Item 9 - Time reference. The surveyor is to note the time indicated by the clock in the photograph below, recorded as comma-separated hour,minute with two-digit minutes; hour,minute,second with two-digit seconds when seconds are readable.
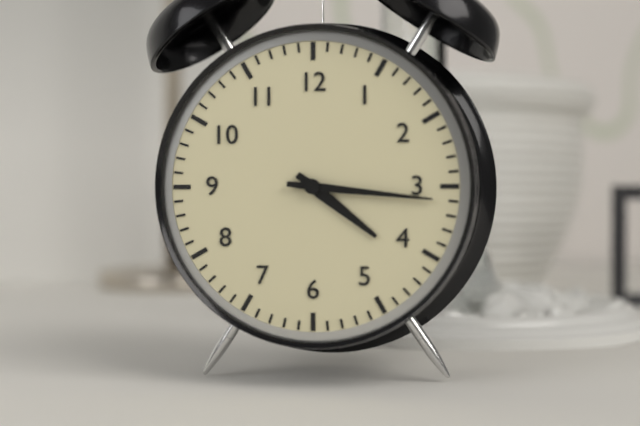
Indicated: 4,16
